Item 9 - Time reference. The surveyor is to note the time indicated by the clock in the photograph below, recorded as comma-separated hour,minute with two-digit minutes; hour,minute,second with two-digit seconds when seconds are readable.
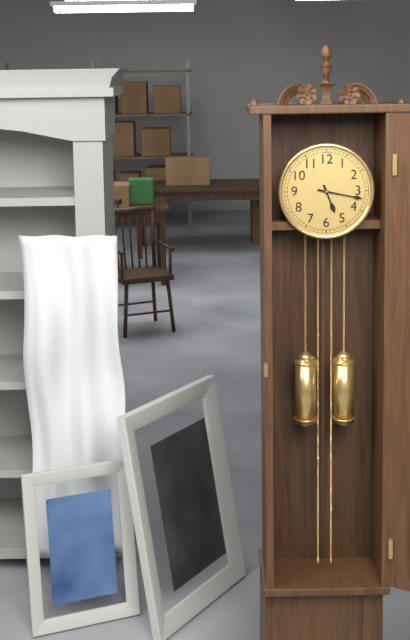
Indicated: 5,17
